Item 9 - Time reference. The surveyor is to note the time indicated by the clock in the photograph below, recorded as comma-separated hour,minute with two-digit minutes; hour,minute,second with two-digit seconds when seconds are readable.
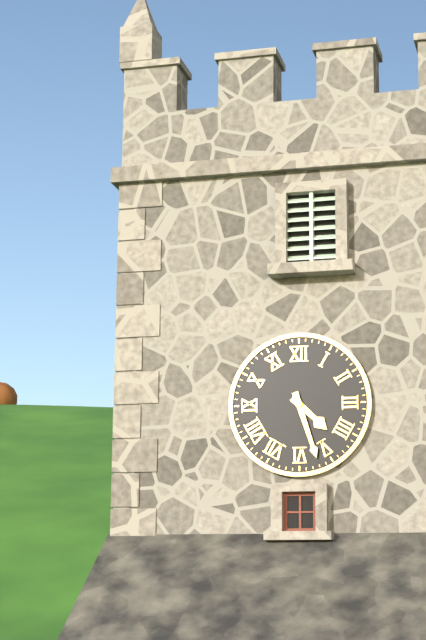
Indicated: 4,27
